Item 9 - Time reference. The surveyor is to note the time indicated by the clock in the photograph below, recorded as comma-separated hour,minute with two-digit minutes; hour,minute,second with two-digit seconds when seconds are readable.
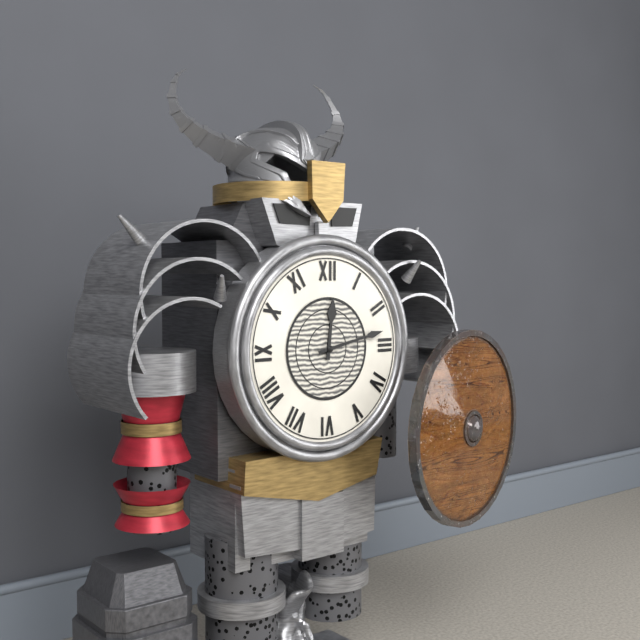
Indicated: 12,13
